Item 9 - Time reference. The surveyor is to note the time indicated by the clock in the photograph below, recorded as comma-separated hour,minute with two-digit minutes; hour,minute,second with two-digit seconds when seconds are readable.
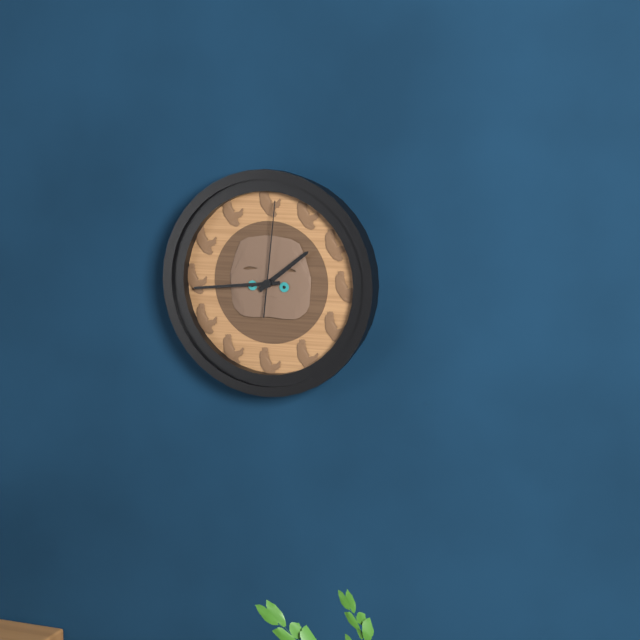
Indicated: 1,44,01
